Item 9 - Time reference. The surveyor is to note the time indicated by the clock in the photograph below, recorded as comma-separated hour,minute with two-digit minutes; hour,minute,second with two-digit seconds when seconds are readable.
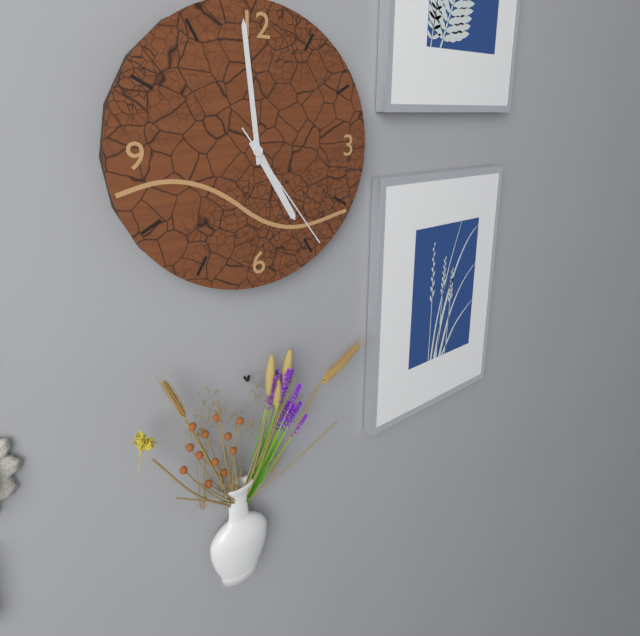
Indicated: 4,59,24
